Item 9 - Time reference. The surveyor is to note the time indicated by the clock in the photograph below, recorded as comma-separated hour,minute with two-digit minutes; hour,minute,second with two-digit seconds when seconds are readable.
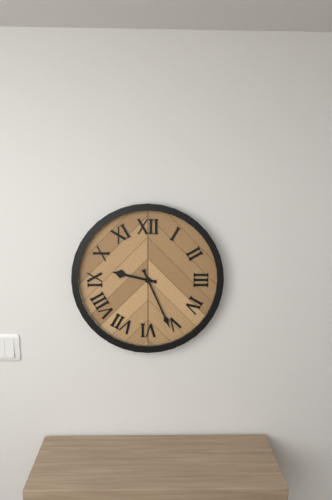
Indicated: 9,26
